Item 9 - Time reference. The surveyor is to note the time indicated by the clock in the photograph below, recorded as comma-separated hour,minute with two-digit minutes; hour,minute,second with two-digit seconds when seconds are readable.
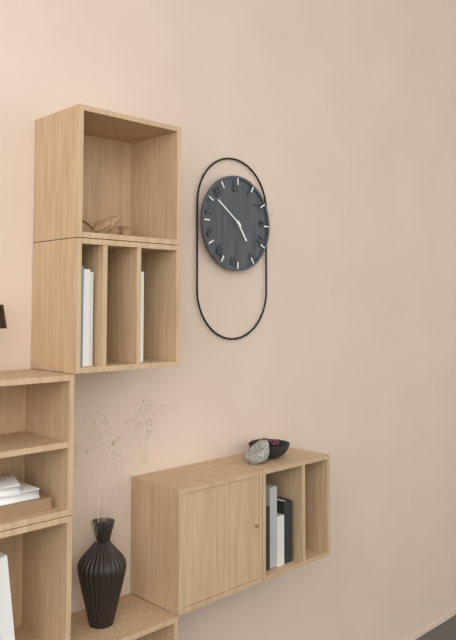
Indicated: 4,51
